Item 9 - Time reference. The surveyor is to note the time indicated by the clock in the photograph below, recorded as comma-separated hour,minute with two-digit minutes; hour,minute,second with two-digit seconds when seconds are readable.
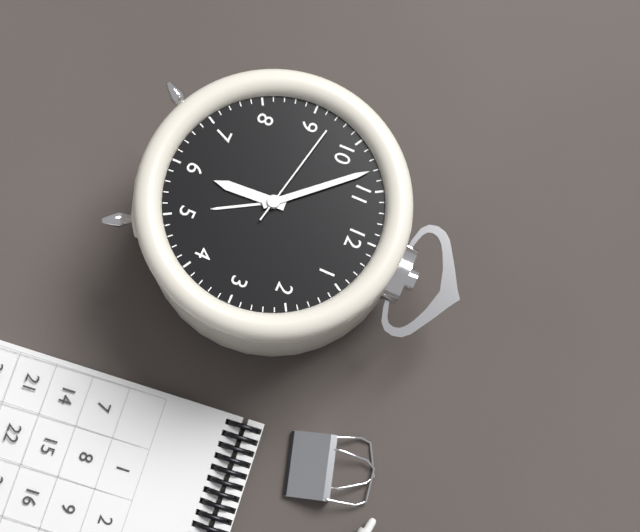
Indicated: 5,53,47
